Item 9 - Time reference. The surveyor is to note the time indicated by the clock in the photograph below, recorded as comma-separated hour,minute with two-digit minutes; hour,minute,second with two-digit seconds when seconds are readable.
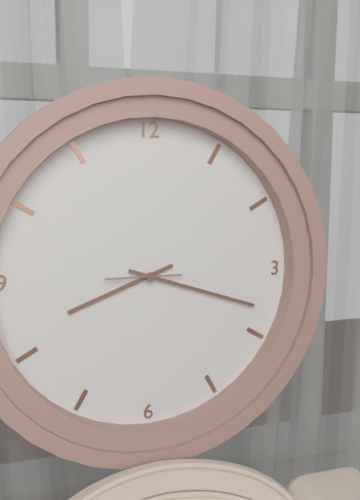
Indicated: 8,18,45
